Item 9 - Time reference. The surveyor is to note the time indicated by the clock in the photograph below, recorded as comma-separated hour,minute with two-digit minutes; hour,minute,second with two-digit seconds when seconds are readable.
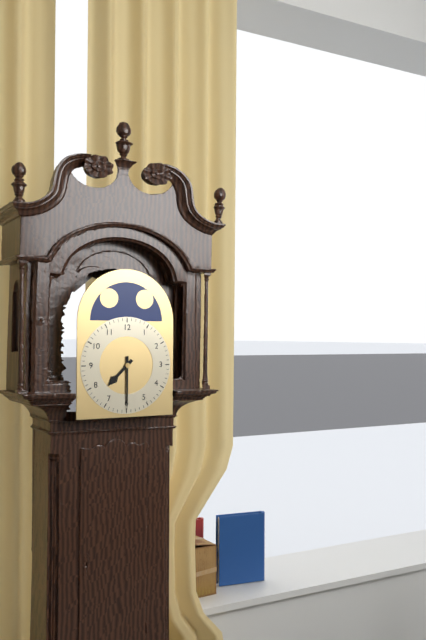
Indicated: 7,30
